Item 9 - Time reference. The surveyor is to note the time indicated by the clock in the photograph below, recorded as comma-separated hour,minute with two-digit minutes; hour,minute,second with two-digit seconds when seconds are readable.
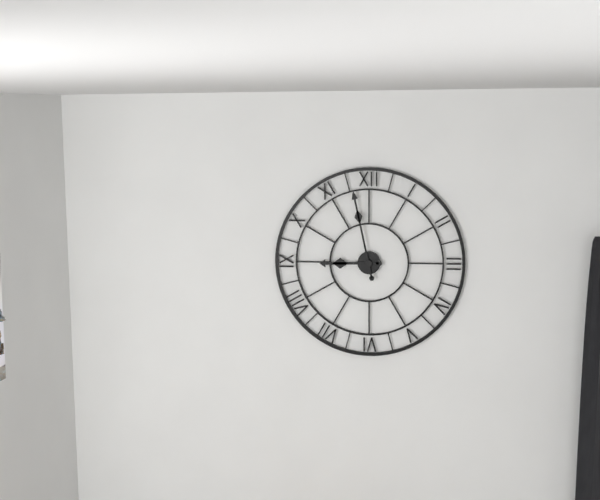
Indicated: 8,58
